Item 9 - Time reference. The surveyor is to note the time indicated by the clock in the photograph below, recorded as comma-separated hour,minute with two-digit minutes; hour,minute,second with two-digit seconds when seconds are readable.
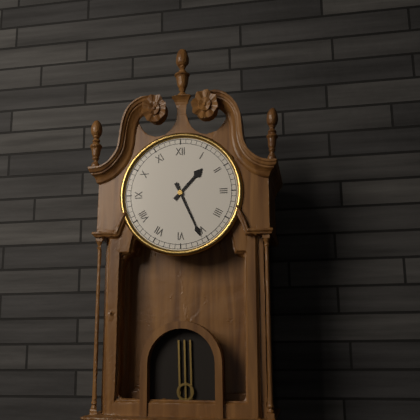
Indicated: 1,26
